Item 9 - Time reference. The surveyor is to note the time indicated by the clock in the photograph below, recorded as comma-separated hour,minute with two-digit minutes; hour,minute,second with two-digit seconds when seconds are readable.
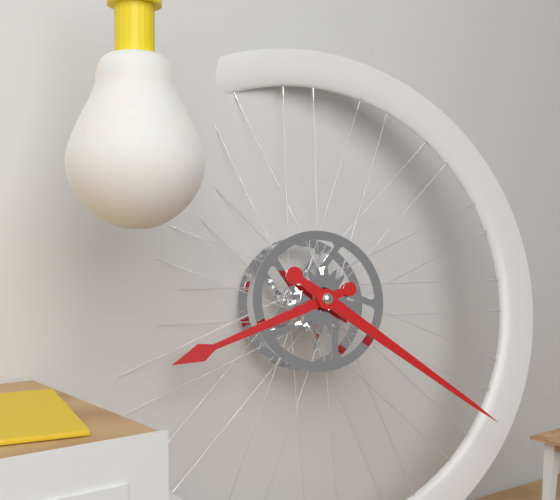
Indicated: 8,21
